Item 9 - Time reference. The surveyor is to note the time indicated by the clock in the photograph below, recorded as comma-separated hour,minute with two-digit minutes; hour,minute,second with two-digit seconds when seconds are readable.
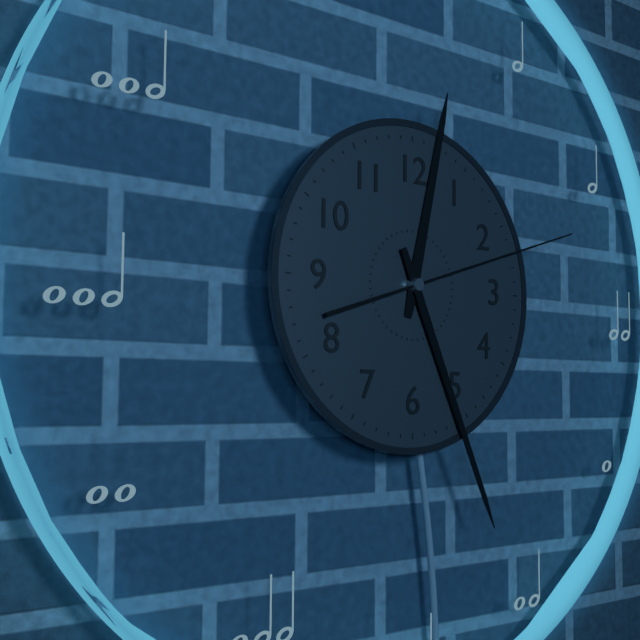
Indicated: 12,26,12
